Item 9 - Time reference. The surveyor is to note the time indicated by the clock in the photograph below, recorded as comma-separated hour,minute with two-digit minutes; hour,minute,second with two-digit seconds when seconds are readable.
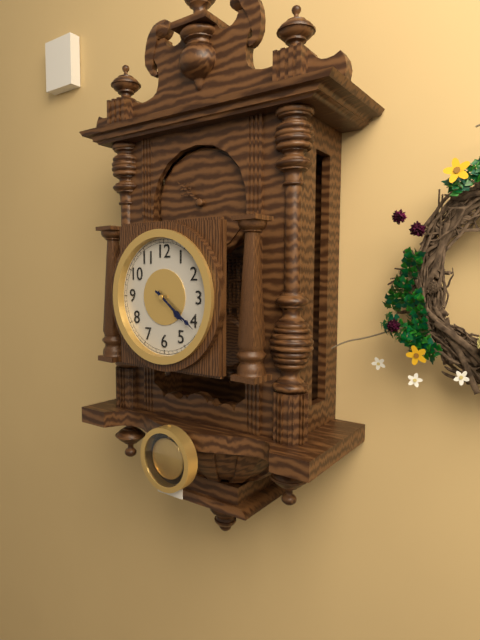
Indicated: 4,21
